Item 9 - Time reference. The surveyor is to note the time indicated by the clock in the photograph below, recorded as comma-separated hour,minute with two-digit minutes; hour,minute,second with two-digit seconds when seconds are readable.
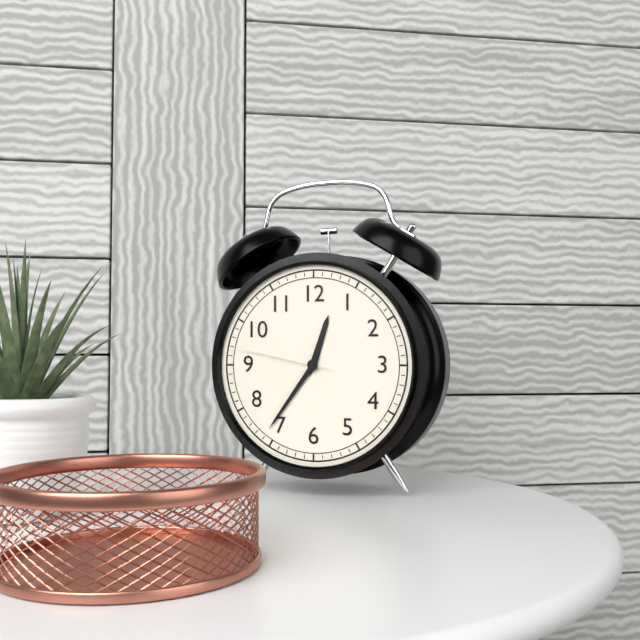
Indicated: 12,36,47
